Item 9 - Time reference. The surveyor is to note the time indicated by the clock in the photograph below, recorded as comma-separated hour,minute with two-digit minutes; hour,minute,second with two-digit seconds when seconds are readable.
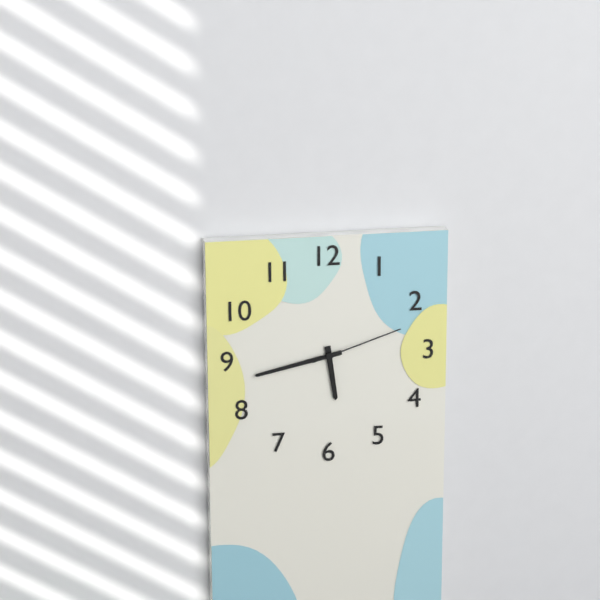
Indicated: 5,43,12
